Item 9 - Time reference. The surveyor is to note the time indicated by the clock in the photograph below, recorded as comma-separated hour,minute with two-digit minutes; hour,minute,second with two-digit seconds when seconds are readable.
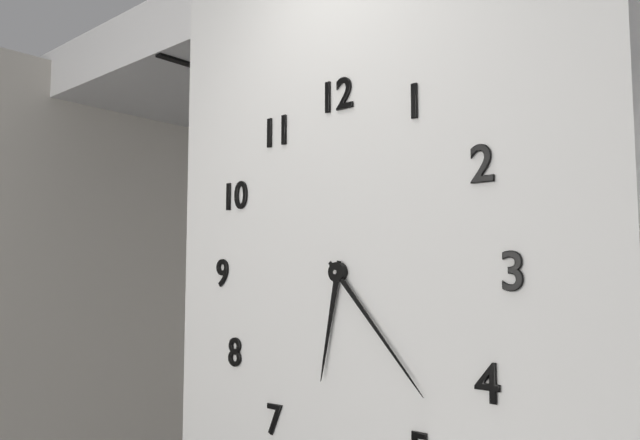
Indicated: 6,23
